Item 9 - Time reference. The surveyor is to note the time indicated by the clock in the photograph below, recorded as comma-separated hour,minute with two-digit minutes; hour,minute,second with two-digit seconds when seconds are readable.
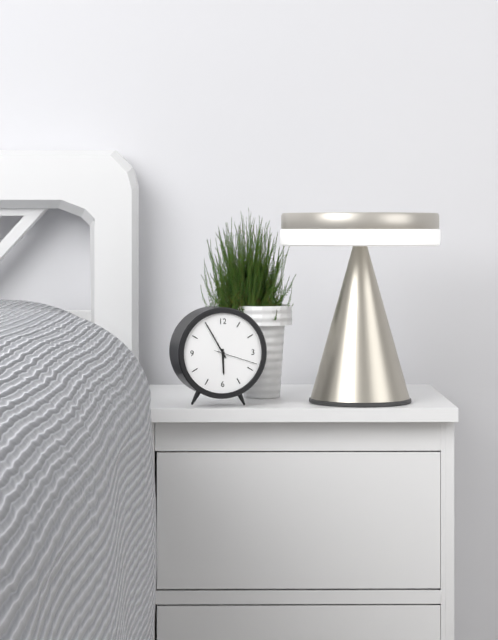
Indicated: 5,55
